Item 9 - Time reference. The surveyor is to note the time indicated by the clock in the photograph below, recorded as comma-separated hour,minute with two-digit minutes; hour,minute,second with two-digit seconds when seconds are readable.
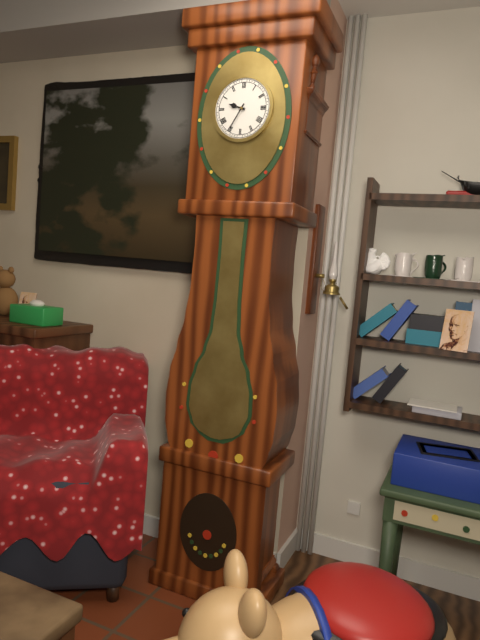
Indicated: 9,35
